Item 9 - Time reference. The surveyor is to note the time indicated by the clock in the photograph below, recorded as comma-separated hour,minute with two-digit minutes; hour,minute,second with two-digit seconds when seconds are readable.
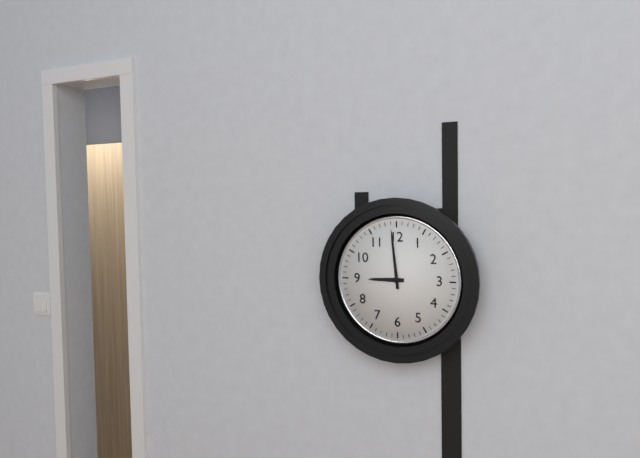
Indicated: 8,59
